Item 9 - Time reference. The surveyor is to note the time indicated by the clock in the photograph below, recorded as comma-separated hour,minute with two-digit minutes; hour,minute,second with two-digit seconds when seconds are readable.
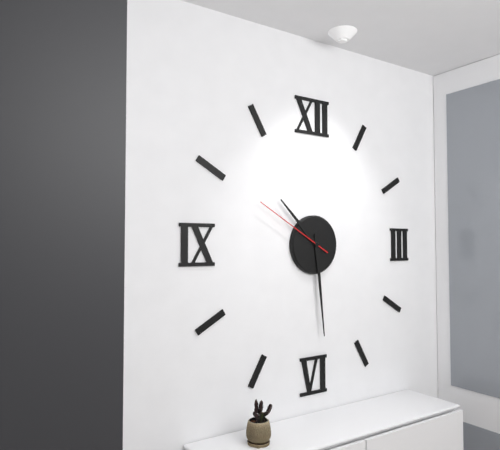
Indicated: 10,29,50
